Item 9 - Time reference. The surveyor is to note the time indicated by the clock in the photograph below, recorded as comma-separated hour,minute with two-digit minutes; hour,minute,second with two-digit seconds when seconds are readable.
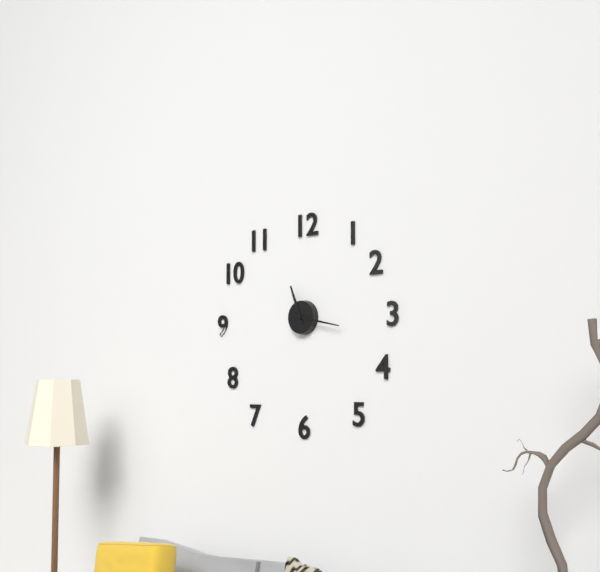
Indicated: 11,17
